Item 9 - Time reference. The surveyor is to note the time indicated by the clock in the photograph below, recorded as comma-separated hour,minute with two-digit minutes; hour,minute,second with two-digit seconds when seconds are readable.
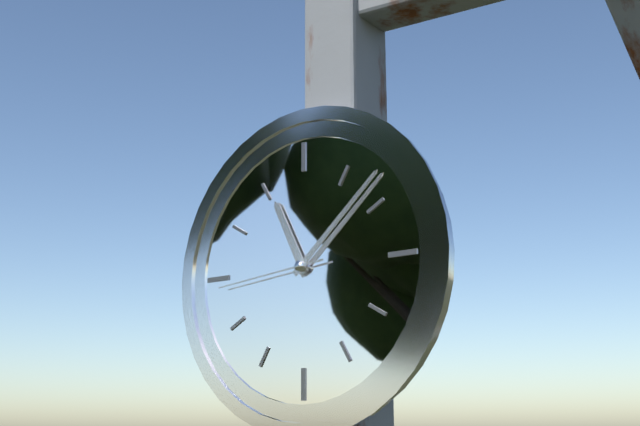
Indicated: 11,08,44
